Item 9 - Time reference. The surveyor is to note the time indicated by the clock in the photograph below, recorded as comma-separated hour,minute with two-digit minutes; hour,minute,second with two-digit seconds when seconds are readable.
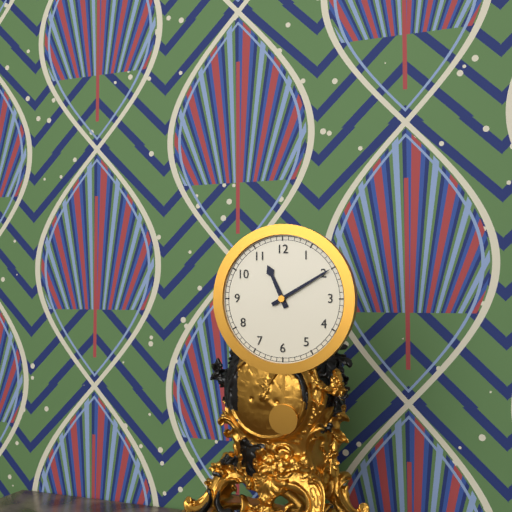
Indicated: 11,10
